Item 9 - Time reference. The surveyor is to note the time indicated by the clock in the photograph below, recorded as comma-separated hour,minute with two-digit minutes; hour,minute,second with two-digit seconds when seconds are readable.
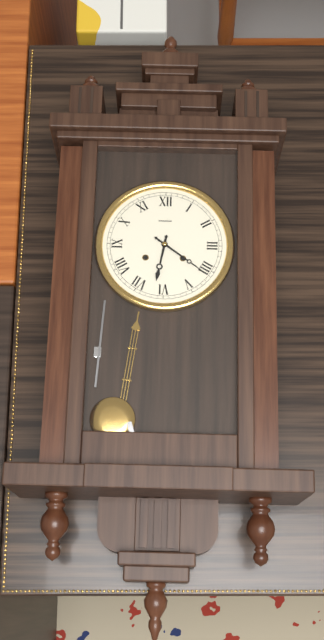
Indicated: 6,21
